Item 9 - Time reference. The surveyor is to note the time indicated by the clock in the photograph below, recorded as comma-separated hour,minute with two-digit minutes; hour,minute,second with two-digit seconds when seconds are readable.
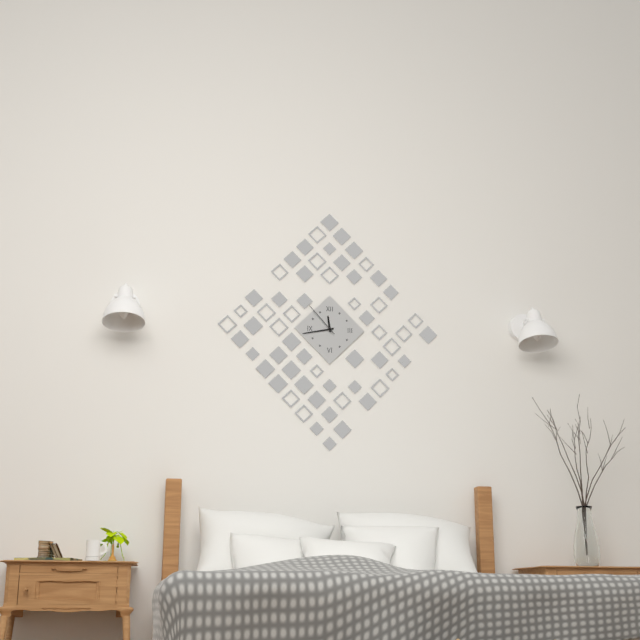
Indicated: 11,43
